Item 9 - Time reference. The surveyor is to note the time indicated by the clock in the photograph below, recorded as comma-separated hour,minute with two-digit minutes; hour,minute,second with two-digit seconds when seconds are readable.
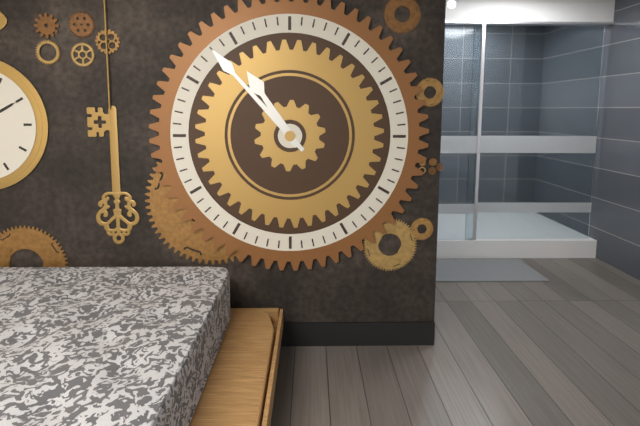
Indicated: 10,53
